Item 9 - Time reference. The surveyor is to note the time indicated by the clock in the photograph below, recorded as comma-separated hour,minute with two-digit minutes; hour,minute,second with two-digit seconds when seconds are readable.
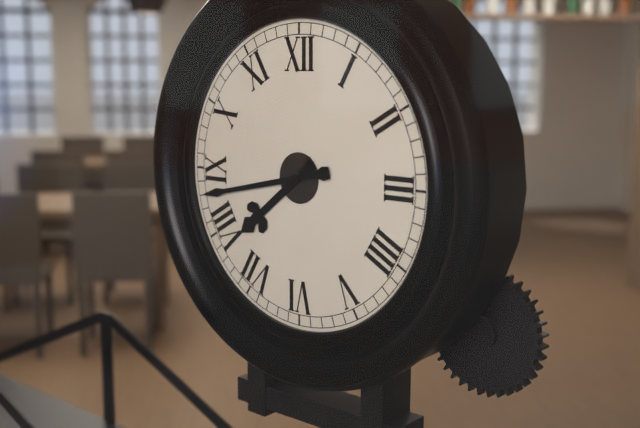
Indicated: 7,43
